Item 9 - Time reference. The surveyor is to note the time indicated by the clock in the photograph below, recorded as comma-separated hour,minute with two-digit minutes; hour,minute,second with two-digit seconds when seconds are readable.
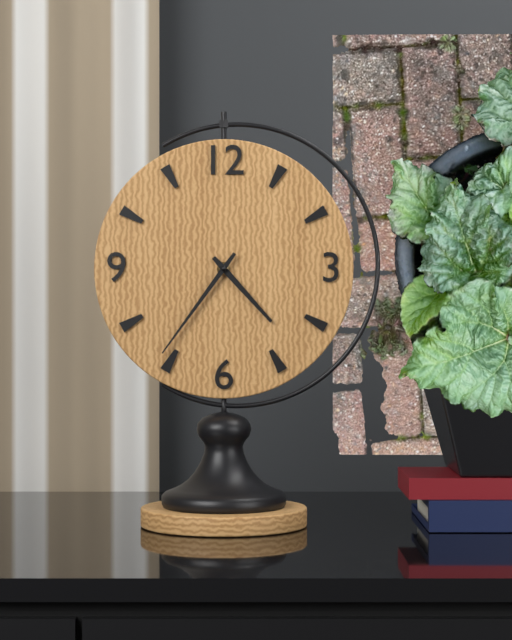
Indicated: 4,36
